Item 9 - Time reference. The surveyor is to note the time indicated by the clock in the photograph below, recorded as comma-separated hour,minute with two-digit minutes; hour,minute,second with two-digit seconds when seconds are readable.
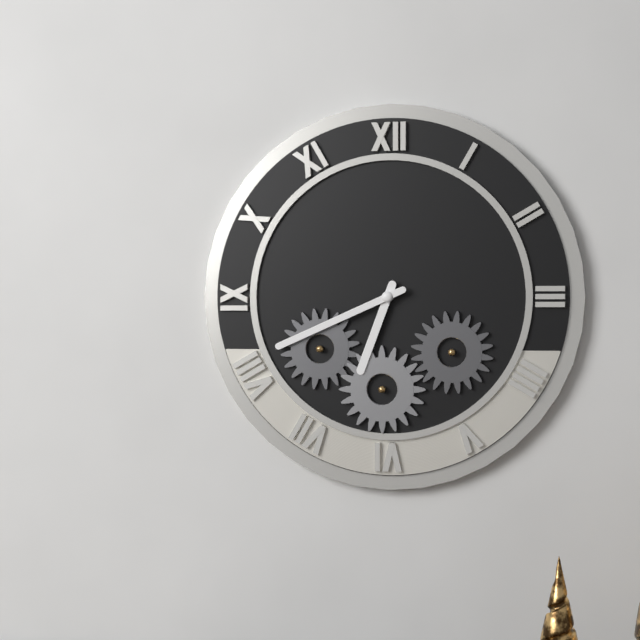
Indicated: 6,41
